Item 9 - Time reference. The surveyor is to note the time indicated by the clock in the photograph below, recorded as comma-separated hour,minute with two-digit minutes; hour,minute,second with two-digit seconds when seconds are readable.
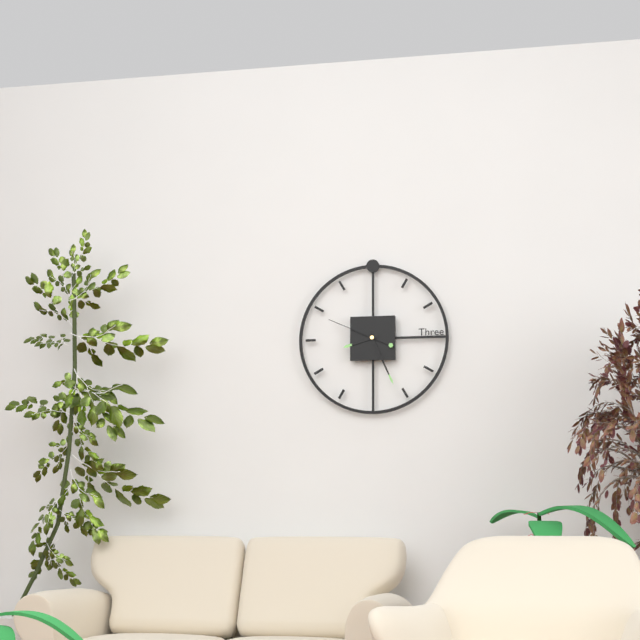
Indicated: 8,26,49
